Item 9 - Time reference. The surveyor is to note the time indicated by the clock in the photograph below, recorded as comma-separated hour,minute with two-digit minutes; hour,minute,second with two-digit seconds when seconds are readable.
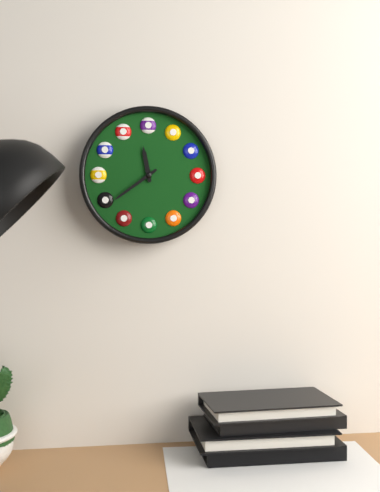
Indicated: 11,39
